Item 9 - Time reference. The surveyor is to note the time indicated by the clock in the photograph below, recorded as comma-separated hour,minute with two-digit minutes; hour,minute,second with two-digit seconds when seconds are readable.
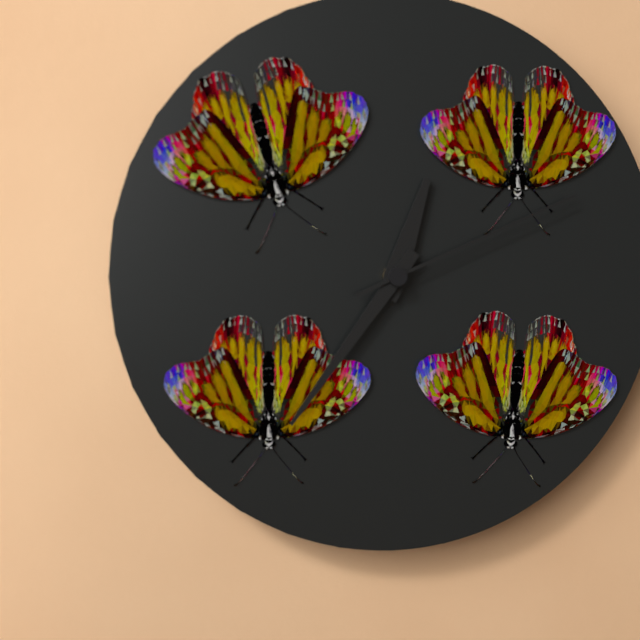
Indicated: 12,36,11
